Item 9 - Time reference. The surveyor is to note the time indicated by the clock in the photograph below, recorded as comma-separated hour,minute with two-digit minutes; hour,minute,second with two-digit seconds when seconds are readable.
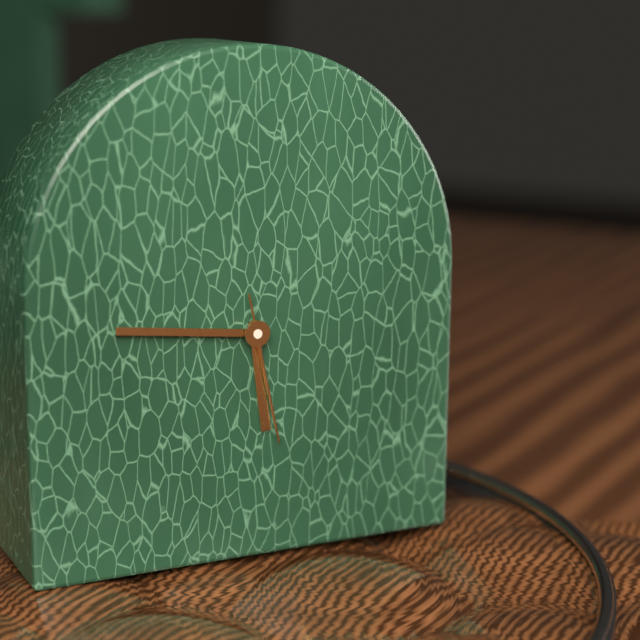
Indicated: 5,46,28
